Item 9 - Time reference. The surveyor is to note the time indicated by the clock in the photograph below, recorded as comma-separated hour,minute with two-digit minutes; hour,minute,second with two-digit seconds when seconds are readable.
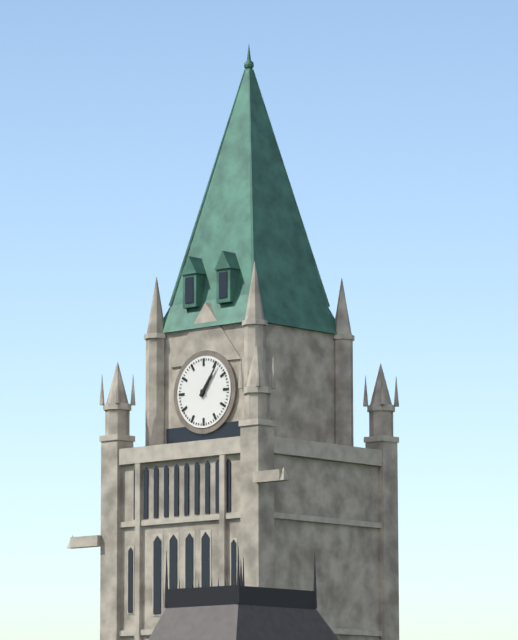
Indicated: 1,06
